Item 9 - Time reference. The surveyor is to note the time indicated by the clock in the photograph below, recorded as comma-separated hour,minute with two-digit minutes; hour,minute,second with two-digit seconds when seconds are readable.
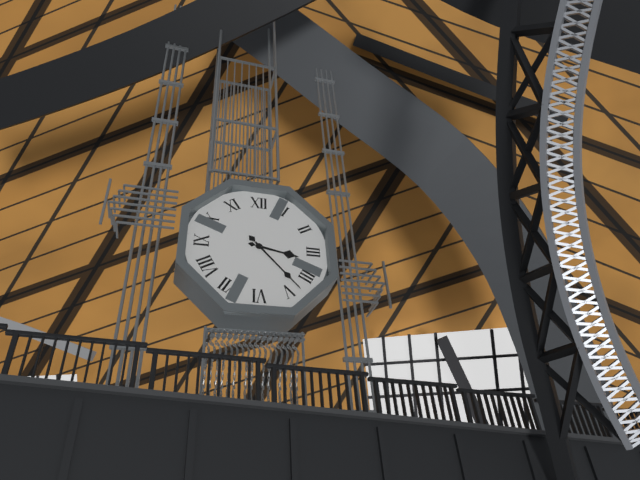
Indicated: 3,23
